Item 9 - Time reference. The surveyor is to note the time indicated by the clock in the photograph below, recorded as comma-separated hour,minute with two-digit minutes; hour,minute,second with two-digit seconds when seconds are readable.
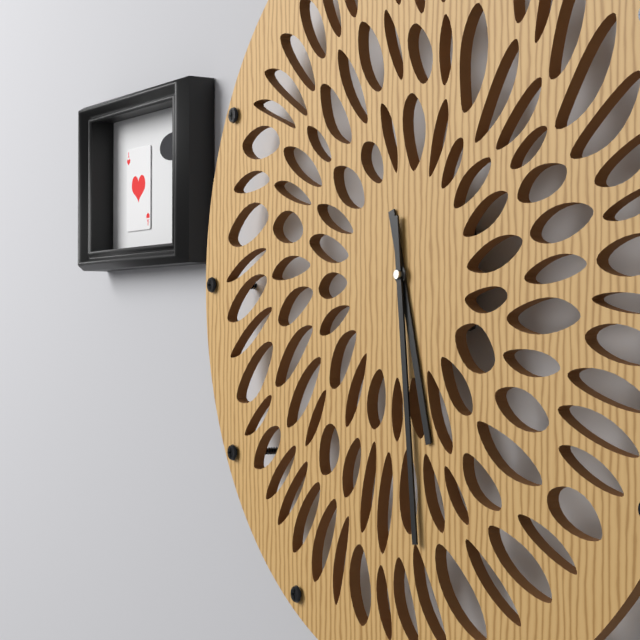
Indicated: 5,29
